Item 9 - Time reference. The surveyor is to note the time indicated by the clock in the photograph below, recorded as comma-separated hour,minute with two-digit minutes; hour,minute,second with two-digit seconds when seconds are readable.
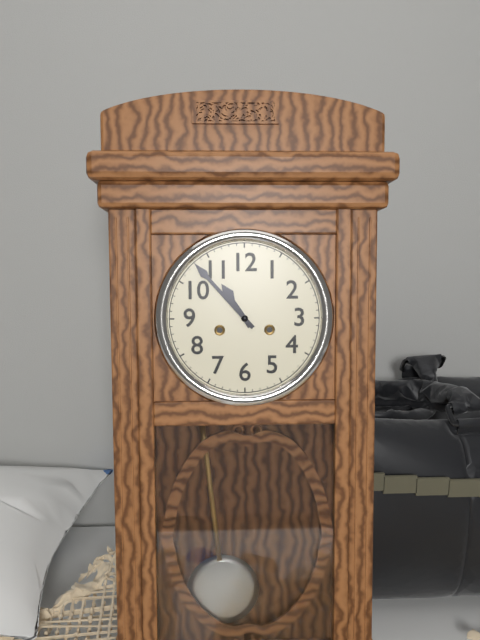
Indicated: 10,53
